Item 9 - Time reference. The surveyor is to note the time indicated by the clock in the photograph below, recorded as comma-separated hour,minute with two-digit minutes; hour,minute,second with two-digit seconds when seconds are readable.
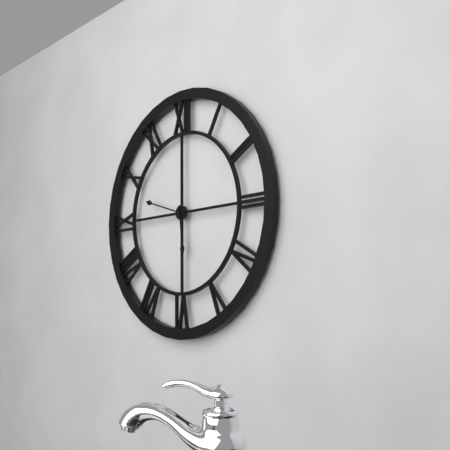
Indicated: 5,48
